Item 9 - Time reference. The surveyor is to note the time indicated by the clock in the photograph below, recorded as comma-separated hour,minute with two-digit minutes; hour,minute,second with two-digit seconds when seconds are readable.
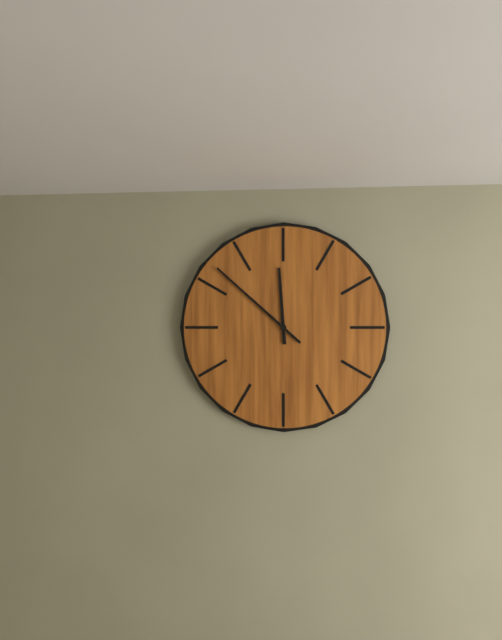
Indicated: 11,52
